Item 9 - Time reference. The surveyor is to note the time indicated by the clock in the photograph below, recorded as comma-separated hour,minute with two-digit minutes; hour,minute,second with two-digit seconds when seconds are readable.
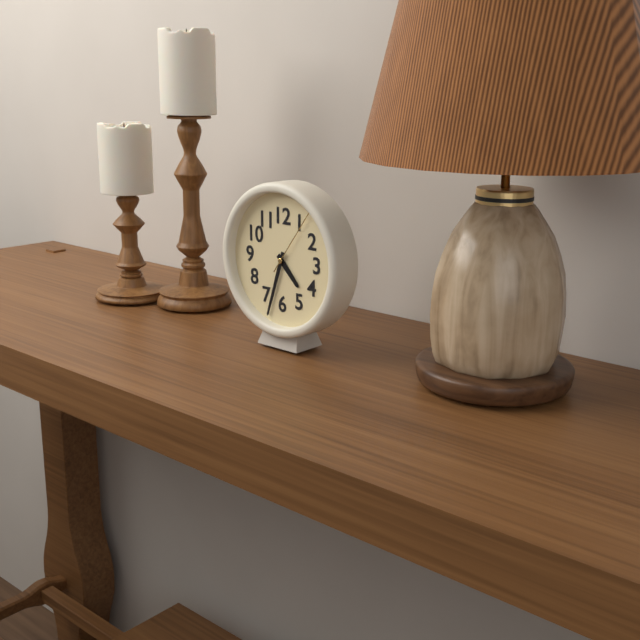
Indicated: 4,33,06
